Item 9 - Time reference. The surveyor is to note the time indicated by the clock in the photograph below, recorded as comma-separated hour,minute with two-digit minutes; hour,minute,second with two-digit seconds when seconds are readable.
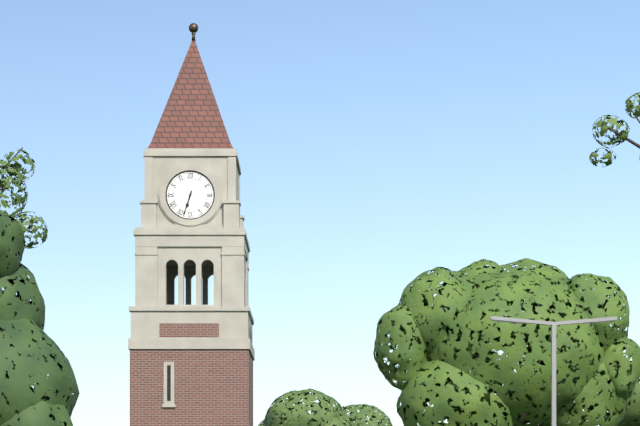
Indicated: 6,33
